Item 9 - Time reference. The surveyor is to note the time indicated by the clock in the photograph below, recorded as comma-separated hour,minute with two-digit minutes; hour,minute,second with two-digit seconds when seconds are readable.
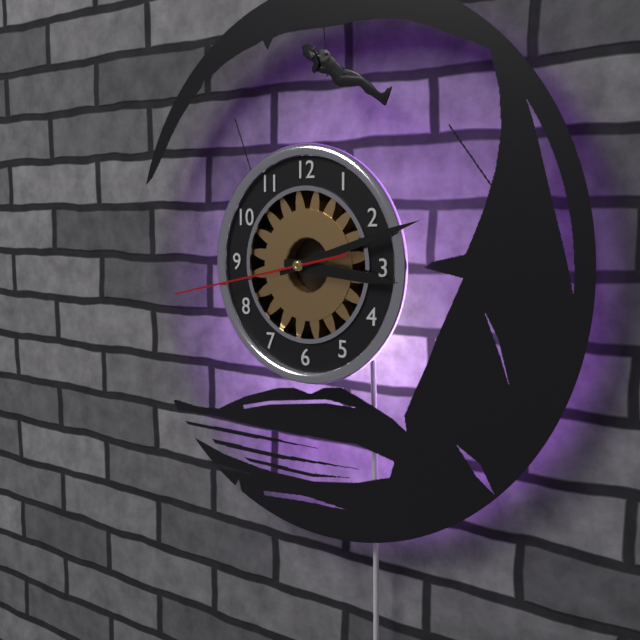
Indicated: 3,12,43
